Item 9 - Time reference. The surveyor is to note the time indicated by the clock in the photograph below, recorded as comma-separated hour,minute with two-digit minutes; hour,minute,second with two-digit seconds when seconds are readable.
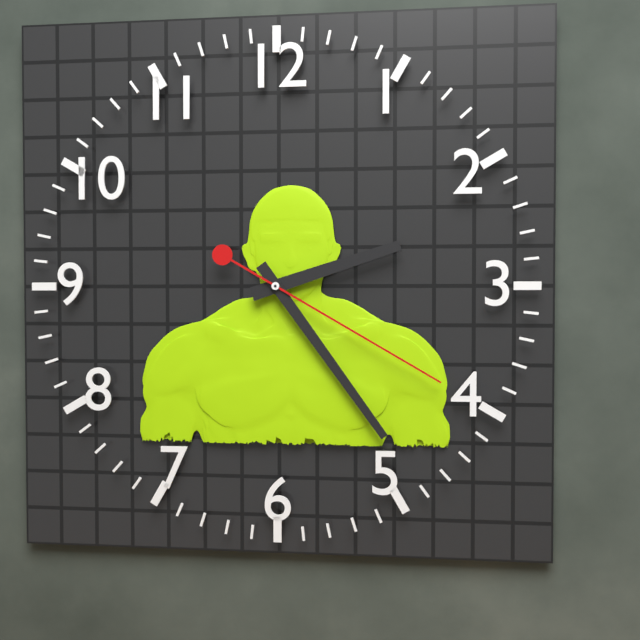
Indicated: 2,24,20
